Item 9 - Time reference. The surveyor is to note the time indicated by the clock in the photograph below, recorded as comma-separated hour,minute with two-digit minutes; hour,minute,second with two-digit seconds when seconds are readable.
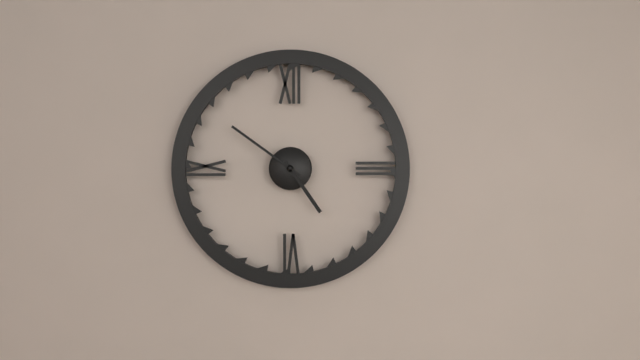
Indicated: 4,51
